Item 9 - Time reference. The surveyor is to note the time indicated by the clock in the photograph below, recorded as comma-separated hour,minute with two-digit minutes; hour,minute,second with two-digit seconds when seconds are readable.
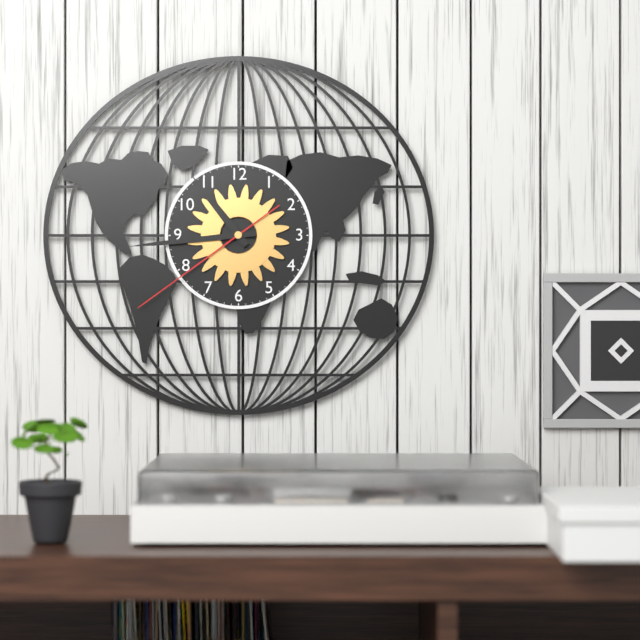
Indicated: 10,44,39
